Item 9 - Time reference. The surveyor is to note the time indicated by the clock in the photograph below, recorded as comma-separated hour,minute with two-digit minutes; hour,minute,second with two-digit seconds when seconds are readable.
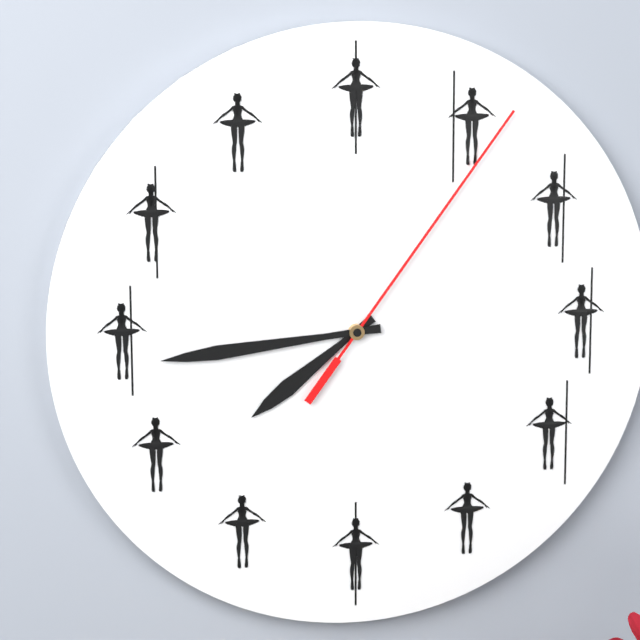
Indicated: 7,44,06
